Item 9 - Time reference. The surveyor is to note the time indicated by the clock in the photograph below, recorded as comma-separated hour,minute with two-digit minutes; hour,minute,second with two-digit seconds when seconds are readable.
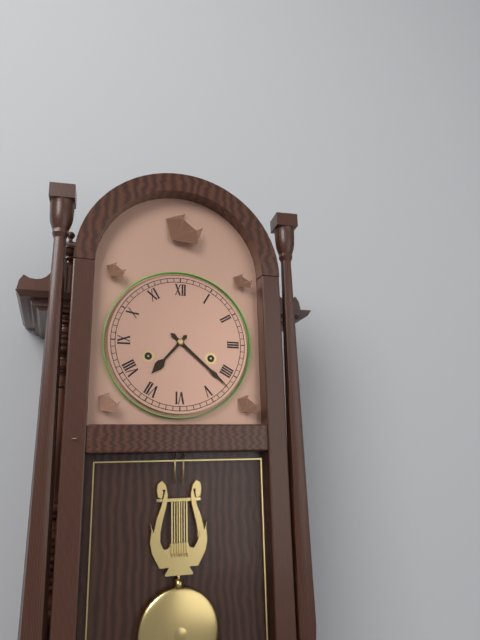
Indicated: 7,22
